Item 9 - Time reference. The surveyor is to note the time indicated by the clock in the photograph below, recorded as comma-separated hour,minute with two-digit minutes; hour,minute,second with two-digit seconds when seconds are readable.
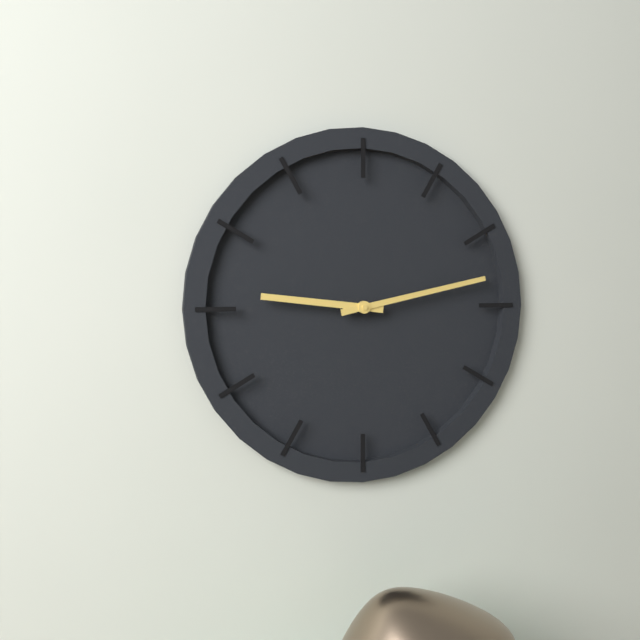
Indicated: 9,13
